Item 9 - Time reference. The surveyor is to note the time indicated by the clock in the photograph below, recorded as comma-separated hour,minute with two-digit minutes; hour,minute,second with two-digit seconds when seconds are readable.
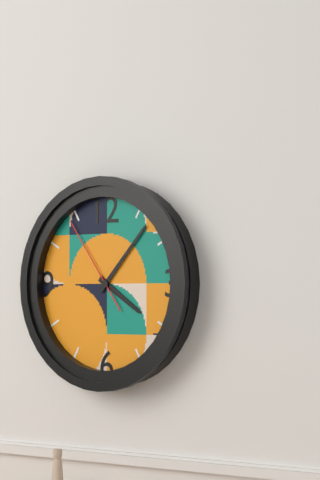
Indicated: 4,07,54
